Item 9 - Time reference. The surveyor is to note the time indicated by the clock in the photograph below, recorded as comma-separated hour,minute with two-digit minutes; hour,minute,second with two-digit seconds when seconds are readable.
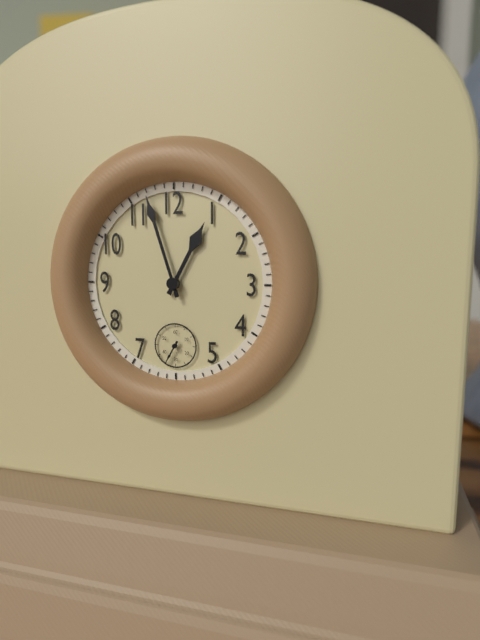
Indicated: 12,57
